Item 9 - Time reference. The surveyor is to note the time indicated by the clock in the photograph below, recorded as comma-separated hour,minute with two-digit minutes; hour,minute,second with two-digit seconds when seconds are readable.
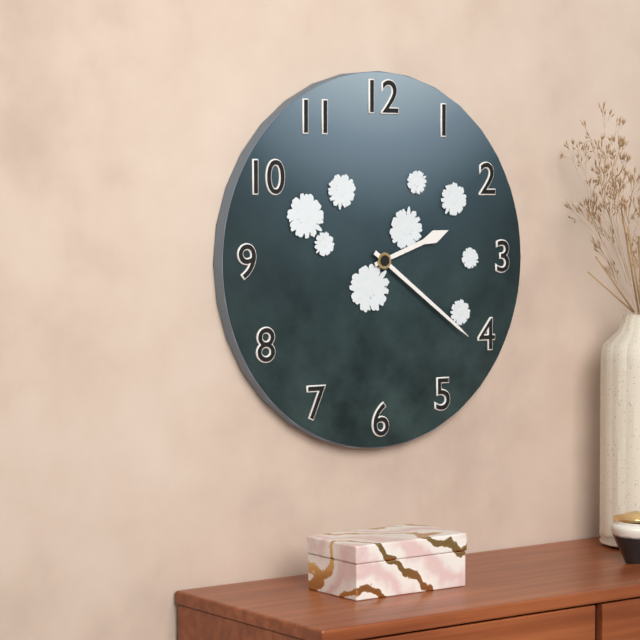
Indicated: 2,21
